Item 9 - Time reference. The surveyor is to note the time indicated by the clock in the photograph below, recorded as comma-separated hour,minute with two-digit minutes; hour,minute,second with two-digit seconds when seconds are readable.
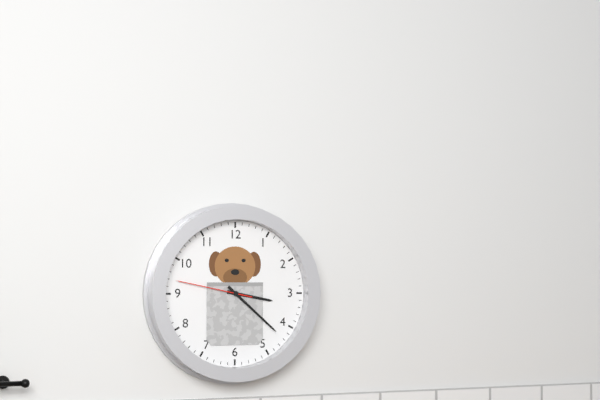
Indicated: 3,22,47
